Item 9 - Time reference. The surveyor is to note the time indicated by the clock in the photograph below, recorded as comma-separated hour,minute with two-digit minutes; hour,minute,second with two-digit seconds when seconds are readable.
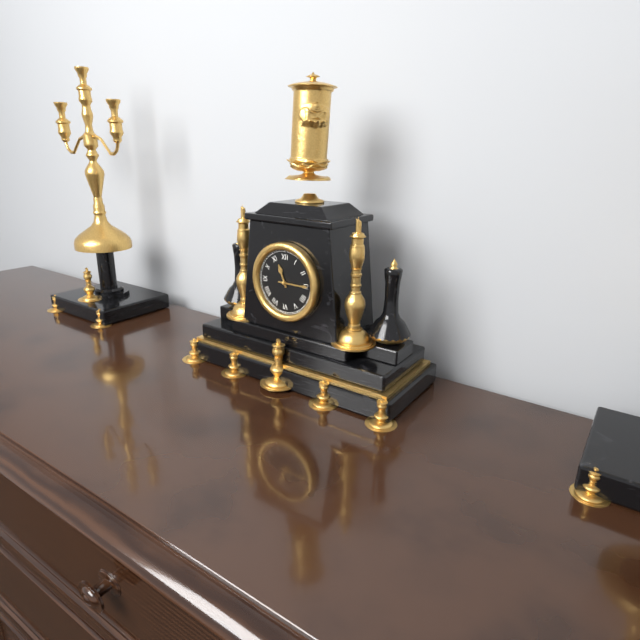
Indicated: 11,15
